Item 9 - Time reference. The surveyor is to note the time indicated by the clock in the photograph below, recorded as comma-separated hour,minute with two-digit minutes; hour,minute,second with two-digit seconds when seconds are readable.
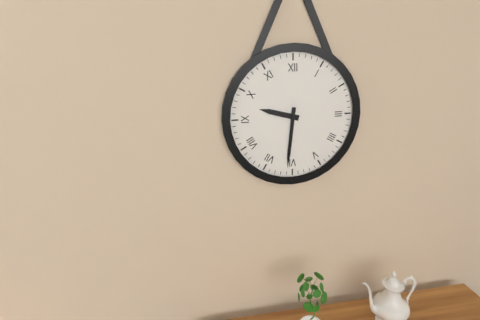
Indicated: 9,31
